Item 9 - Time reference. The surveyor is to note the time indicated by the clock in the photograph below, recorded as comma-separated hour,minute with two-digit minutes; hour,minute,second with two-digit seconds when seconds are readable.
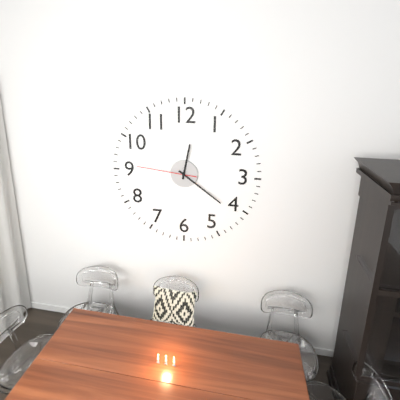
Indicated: 12,21,46
